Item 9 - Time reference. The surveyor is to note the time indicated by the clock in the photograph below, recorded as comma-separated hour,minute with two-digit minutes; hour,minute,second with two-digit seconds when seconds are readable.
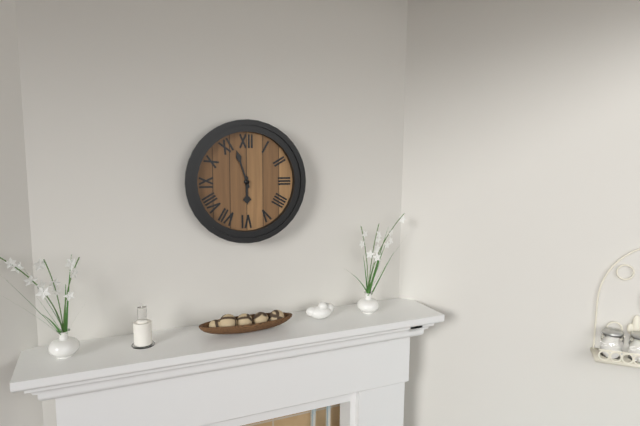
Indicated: 5,57
